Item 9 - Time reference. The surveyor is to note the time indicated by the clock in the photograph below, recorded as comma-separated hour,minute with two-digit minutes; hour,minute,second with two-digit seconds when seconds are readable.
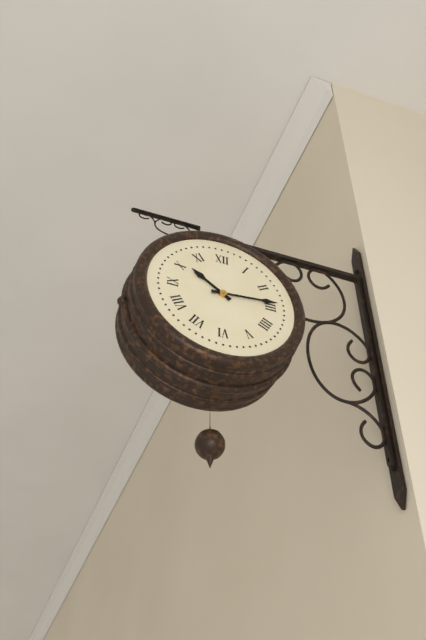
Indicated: 10,14
